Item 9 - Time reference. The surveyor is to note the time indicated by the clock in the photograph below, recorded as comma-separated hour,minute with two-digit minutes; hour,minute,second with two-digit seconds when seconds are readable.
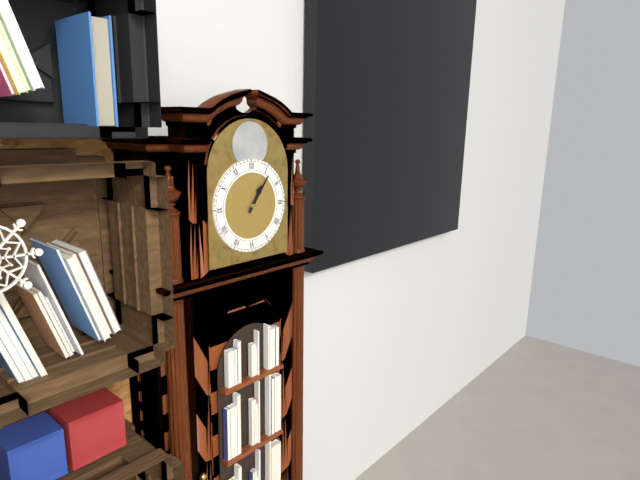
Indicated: 1,06
